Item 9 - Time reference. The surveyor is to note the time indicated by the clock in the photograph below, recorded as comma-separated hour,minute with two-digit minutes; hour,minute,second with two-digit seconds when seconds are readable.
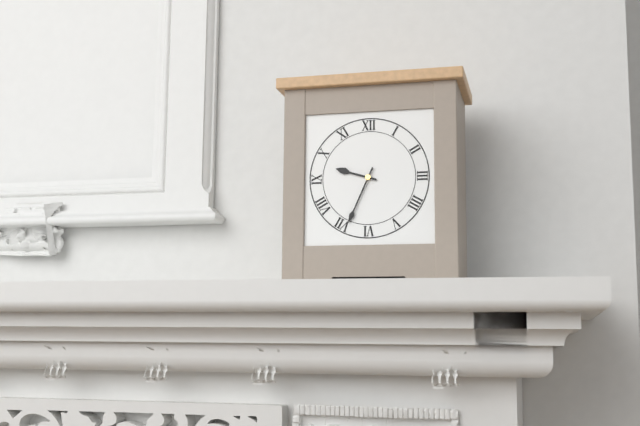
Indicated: 9,34
